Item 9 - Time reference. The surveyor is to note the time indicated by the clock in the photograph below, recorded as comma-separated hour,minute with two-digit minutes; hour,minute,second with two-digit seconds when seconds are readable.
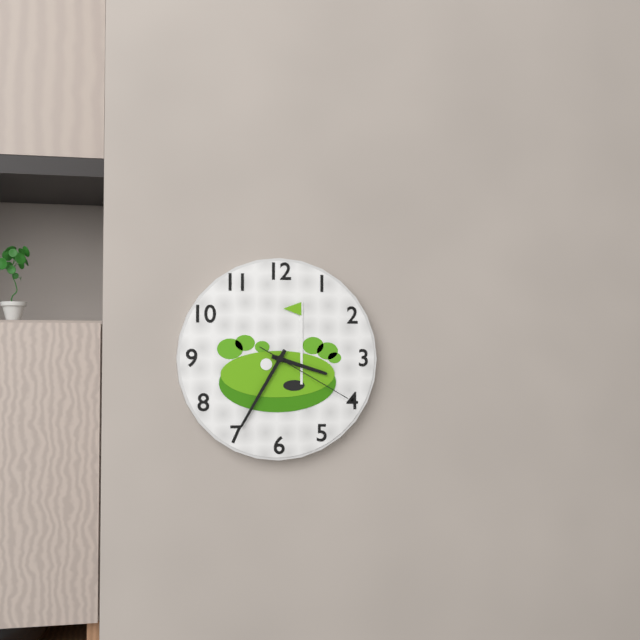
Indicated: 3,35,20
